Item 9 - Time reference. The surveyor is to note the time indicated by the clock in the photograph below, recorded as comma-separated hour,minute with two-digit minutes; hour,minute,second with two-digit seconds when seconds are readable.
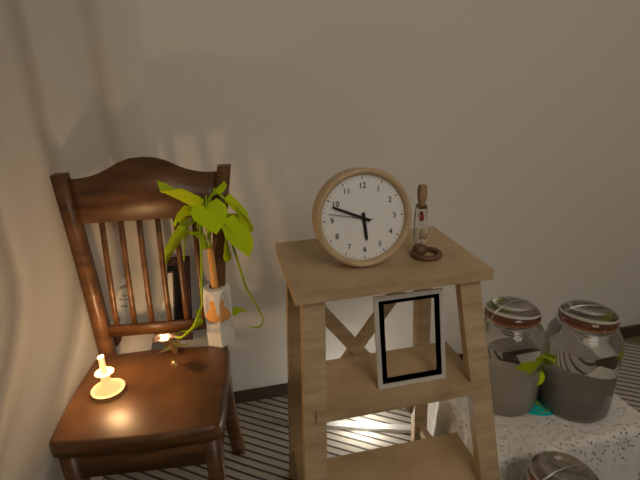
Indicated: 5,49
